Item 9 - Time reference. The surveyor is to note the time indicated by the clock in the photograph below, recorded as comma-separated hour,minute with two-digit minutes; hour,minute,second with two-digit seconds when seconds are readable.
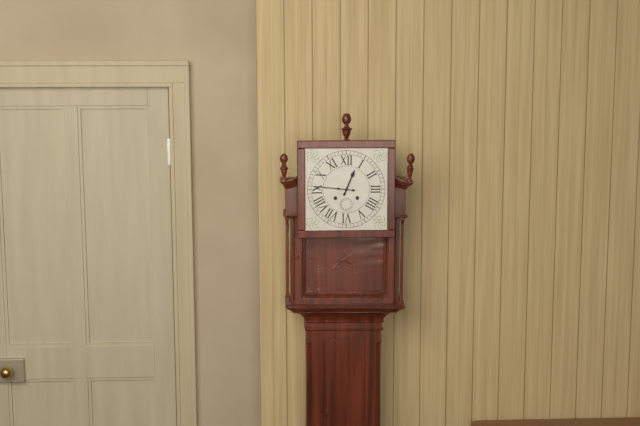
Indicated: 12,46
